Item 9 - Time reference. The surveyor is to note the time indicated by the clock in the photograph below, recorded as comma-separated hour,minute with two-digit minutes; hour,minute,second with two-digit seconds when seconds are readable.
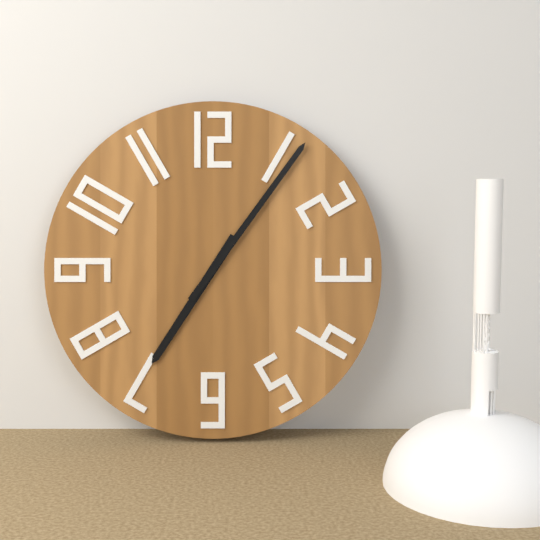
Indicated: 7,06
